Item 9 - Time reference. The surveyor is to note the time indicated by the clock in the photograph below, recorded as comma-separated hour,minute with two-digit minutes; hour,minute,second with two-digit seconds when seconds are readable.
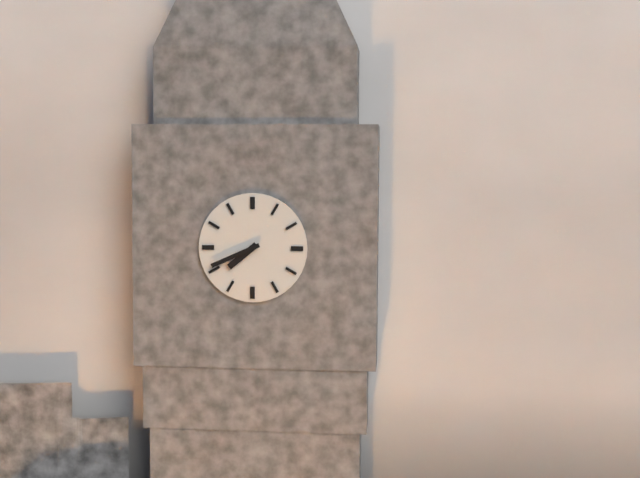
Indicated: 7,41
